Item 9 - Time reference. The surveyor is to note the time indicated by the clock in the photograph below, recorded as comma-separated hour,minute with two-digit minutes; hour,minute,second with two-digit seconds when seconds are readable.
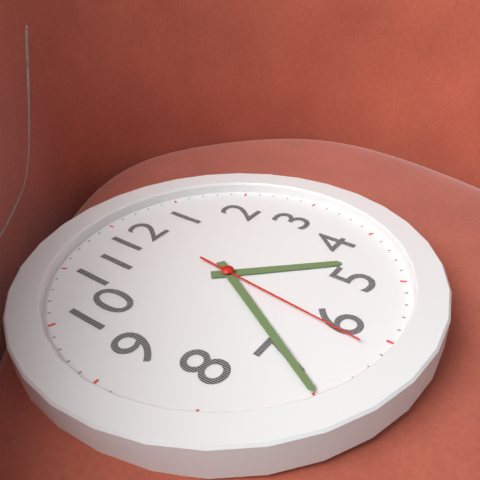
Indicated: 4,35,31
